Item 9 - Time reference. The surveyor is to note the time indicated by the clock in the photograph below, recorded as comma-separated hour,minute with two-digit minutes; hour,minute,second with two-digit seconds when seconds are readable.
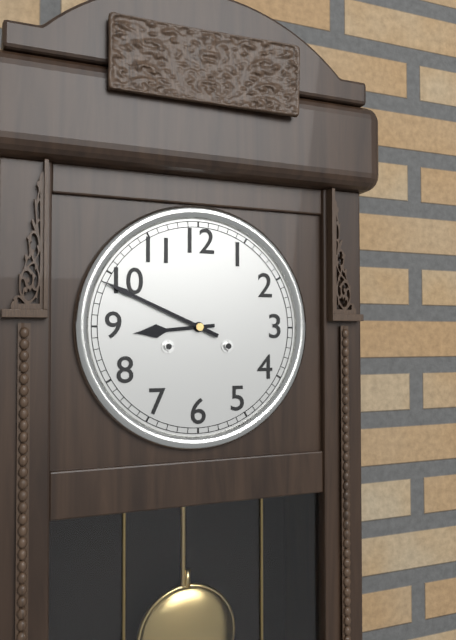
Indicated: 8,49
